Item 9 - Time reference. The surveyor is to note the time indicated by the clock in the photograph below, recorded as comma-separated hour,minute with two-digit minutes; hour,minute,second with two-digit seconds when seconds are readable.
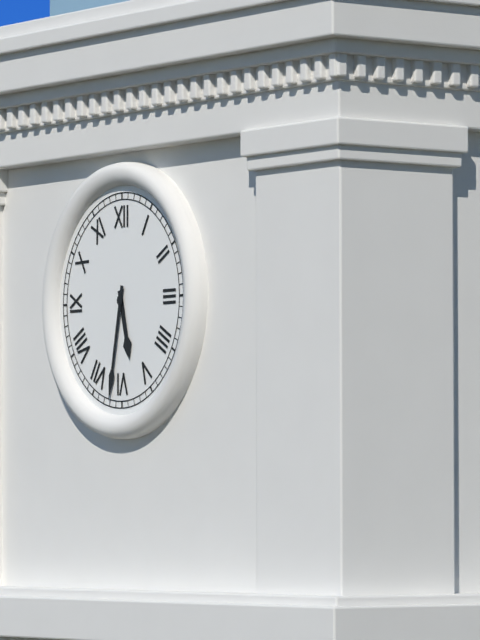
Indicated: 5,32
